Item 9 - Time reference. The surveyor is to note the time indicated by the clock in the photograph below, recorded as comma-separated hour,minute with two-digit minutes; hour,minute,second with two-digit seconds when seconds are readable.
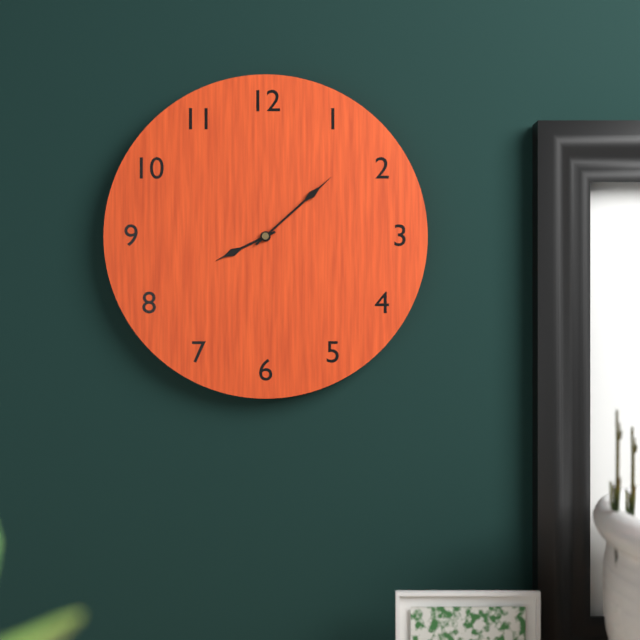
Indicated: 8,08
